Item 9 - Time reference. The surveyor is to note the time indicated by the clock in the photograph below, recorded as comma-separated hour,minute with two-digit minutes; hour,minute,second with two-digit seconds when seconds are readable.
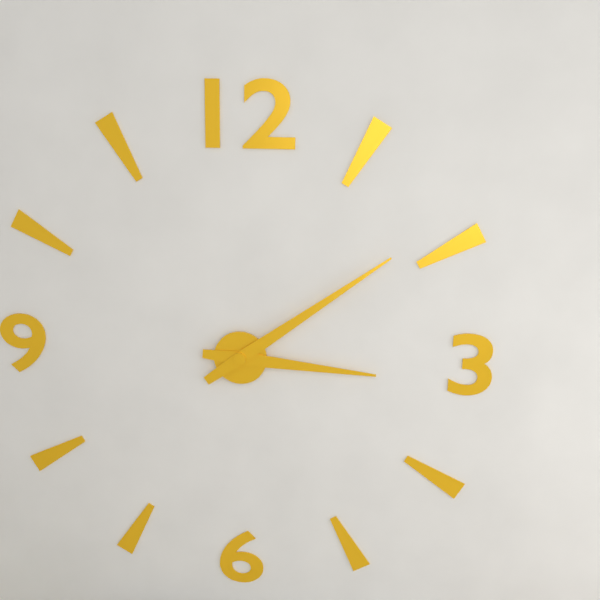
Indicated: 3,09
